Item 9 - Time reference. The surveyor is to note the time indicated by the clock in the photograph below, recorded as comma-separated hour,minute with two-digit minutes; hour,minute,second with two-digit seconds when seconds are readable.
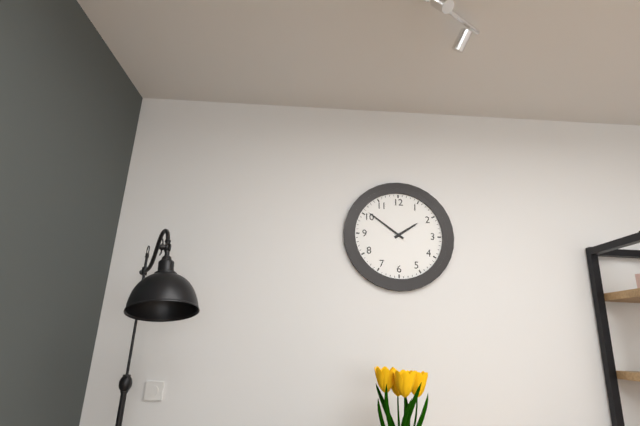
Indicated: 1,51
